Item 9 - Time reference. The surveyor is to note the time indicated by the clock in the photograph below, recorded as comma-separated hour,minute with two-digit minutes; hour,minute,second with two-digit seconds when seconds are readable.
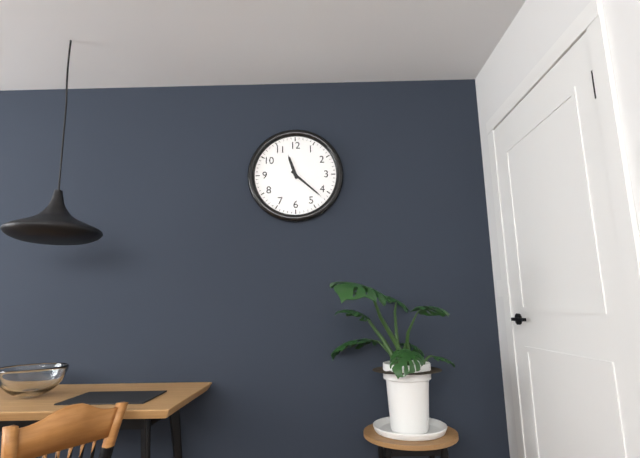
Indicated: 11,22
